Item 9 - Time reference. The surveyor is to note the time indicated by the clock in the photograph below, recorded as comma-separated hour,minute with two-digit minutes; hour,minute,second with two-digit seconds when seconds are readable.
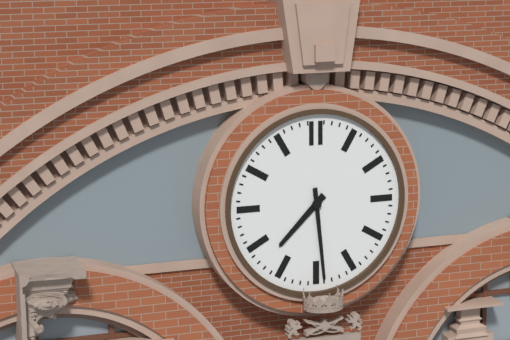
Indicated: 7,29
